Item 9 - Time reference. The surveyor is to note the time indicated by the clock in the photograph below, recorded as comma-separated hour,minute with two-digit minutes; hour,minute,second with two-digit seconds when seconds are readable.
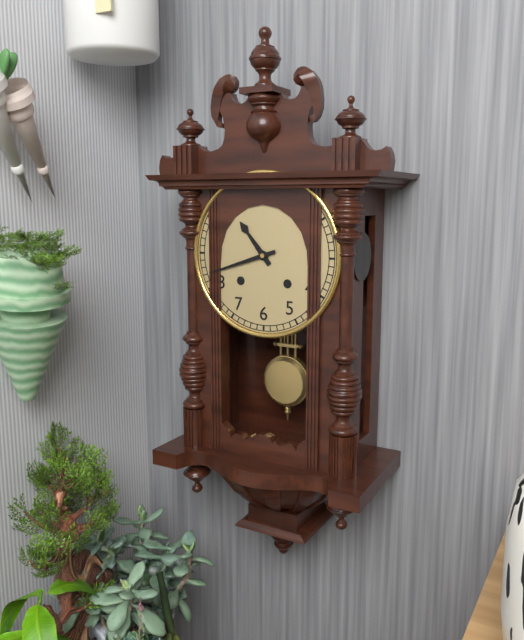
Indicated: 10,42
